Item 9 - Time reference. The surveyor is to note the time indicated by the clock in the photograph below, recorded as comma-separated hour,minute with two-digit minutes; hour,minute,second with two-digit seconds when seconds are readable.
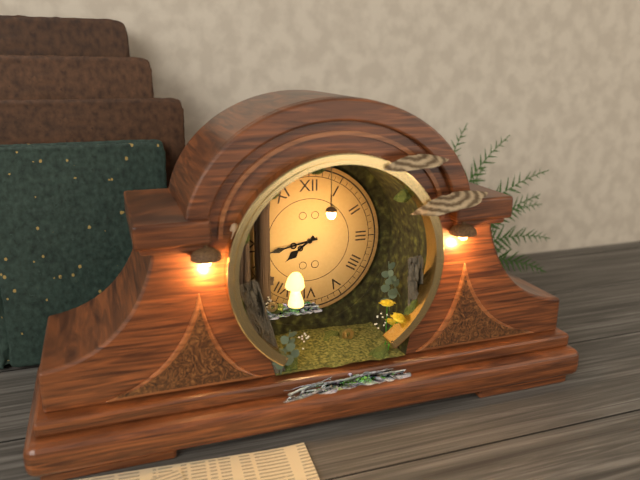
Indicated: 7,43
